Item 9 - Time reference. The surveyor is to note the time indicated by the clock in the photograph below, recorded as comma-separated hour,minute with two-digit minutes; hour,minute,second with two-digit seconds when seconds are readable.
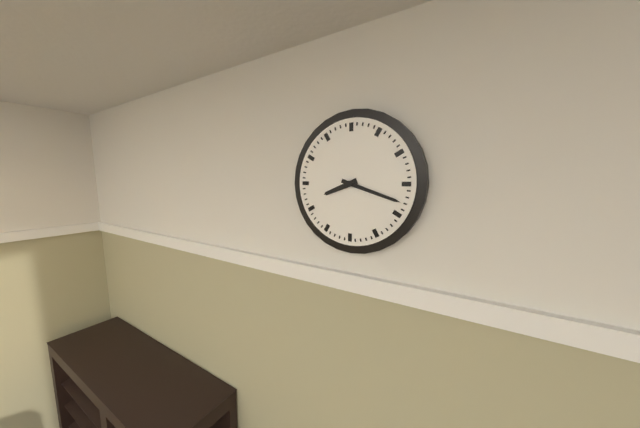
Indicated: 8,18
